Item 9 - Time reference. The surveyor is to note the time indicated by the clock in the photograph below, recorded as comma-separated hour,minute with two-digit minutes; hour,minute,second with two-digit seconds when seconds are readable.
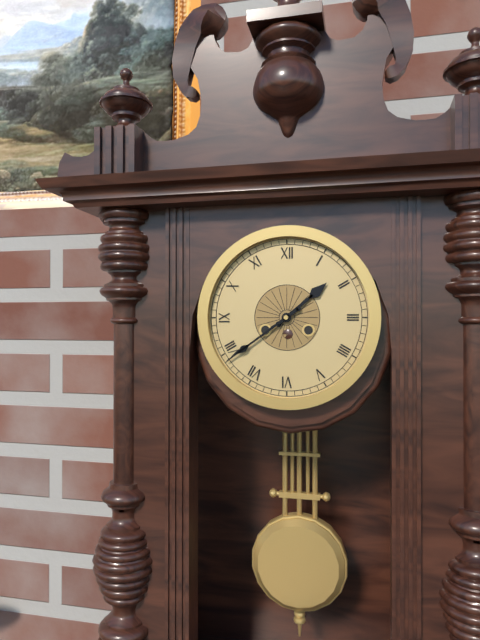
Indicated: 1,39
